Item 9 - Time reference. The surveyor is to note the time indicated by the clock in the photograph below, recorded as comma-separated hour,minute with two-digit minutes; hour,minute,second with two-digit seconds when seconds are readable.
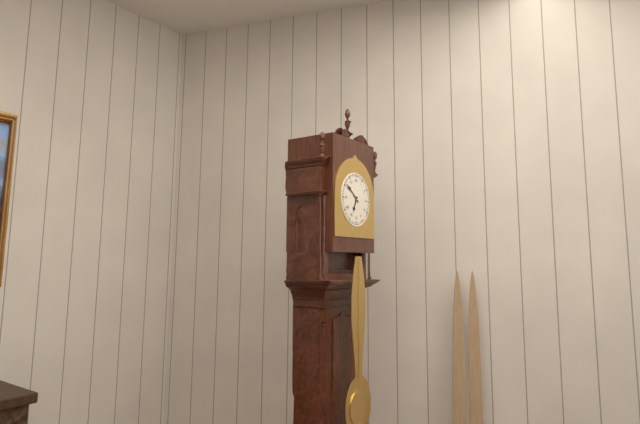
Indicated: 6,51
